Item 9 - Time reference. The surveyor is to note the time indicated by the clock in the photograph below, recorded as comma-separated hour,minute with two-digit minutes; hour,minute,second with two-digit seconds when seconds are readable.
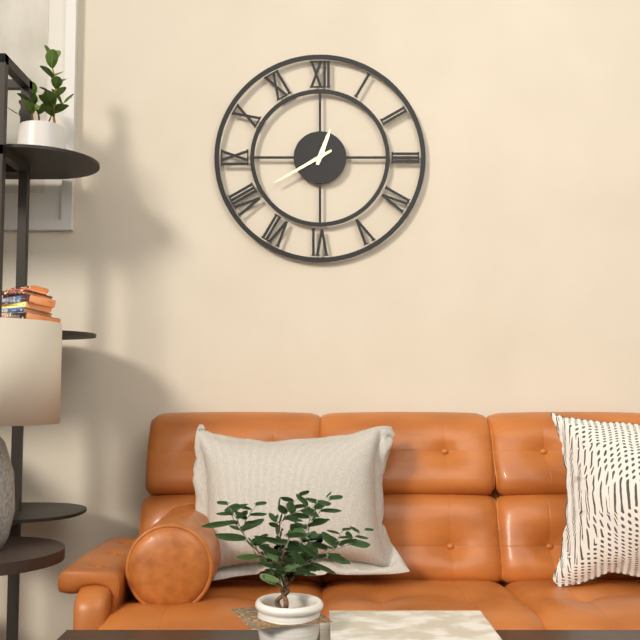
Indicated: 12,40
